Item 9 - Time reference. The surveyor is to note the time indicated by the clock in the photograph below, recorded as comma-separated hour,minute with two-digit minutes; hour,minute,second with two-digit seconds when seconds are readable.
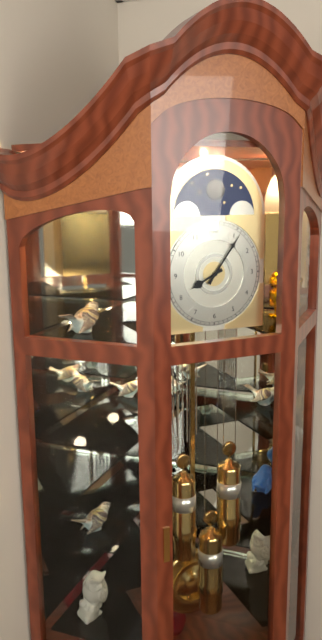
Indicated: 8,06
